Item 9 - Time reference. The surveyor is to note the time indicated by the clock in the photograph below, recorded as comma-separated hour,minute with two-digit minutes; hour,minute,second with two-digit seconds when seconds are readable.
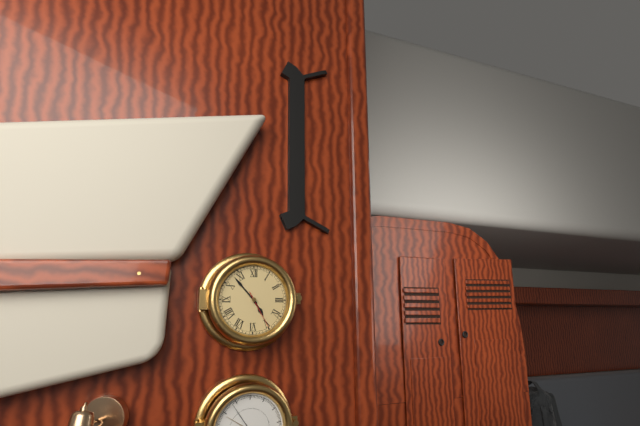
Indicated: 4,53
